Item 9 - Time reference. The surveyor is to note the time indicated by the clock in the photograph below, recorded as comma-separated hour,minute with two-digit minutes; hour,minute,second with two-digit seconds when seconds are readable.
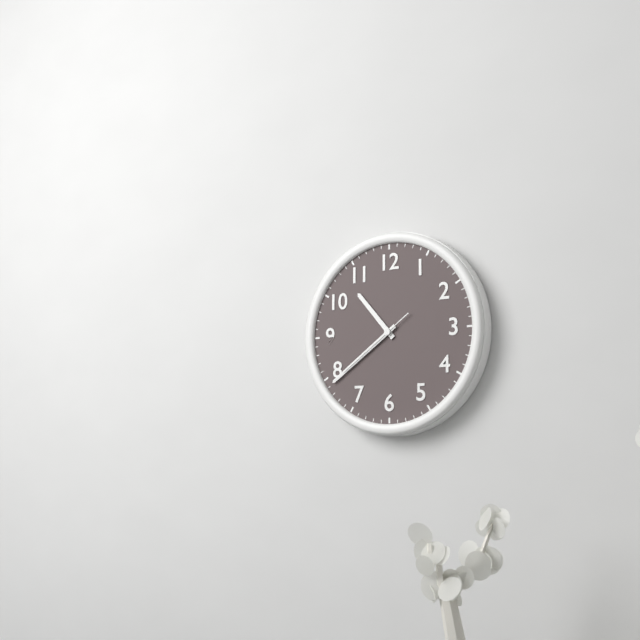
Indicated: 10,39,39
